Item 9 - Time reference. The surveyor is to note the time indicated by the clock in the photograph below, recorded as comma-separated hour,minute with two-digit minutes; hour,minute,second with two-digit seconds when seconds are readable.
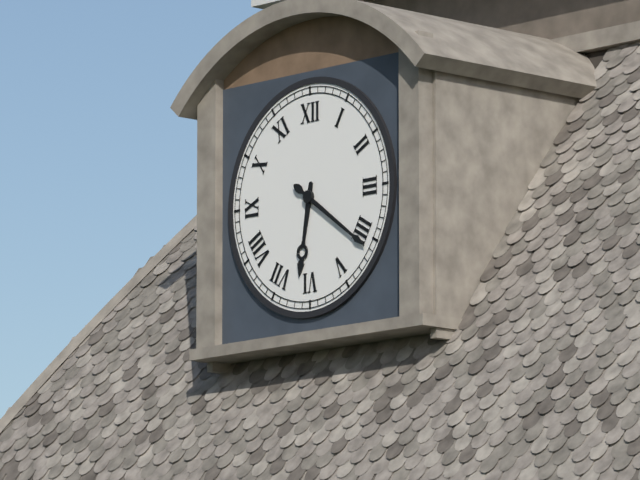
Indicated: 6,21
